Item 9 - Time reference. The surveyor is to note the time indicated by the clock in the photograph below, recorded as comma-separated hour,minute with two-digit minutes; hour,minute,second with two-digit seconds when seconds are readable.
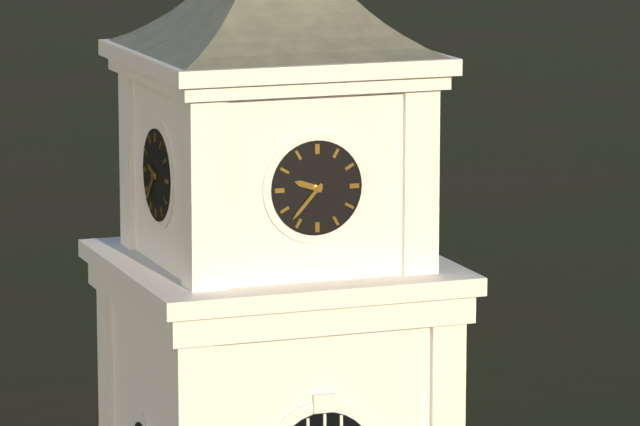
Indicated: 9,37
